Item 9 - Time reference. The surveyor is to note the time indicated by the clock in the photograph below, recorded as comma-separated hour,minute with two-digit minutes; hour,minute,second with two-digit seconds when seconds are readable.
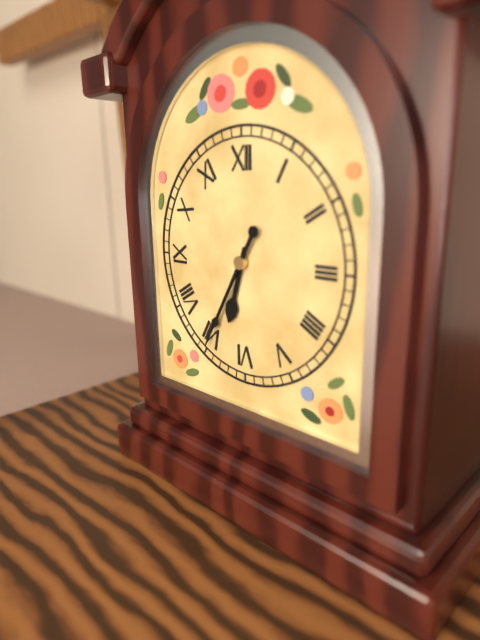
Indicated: 6,35
